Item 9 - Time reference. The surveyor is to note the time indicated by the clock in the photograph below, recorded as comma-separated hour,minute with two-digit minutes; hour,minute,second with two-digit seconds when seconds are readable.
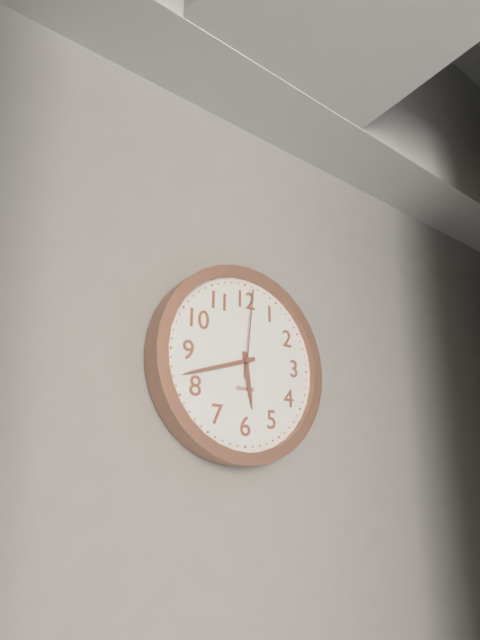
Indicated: 5,42,01
